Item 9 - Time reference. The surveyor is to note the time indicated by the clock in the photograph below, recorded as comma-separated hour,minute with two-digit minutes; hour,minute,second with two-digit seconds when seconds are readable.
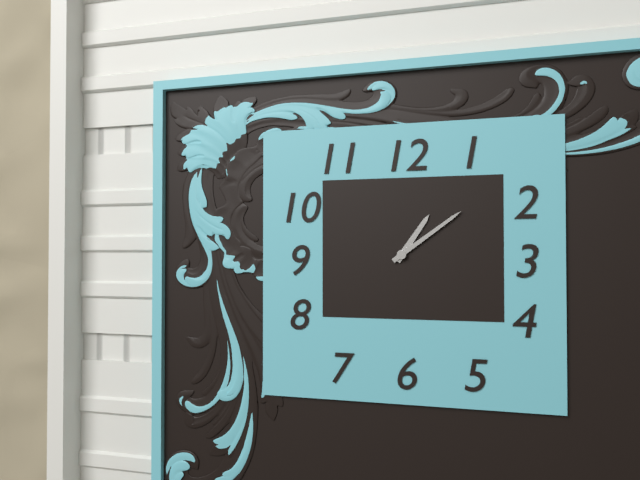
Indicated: 1,09
